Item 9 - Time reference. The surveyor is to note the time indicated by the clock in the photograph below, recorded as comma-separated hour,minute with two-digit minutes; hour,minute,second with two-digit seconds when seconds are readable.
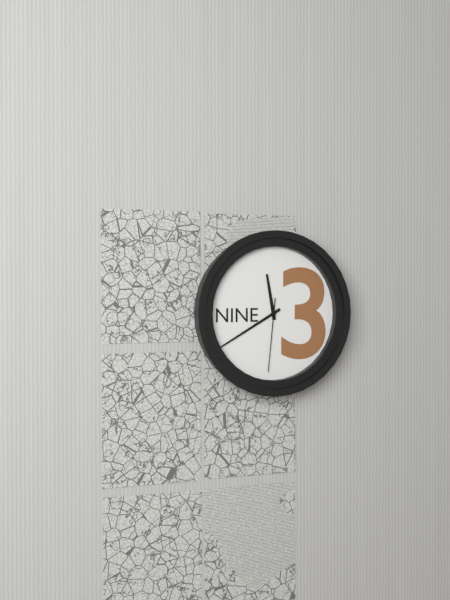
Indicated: 11,40,31
